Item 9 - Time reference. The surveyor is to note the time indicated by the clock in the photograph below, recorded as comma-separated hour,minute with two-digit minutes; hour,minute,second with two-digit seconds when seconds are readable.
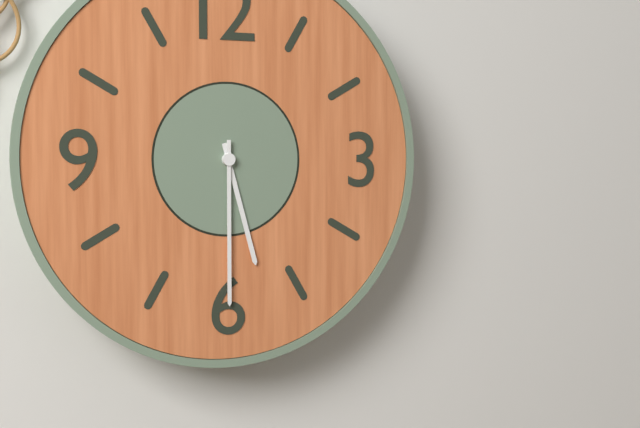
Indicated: 5,30
